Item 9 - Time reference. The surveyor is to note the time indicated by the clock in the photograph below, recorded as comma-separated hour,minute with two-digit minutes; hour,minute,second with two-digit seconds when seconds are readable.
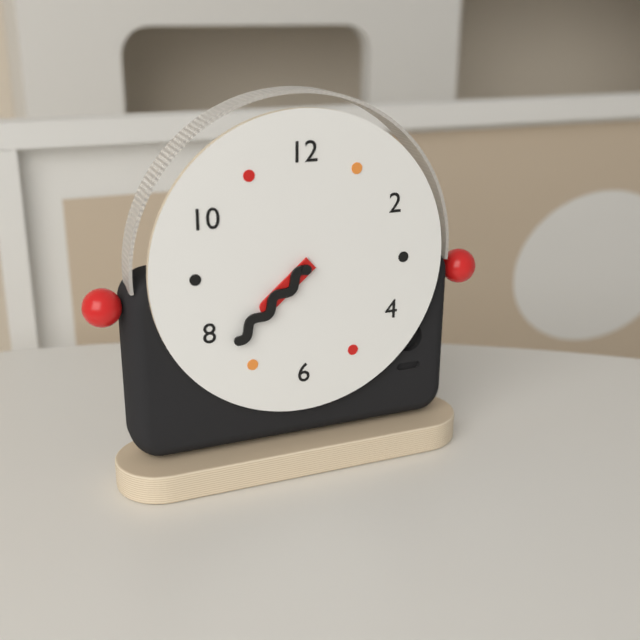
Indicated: 7,38
